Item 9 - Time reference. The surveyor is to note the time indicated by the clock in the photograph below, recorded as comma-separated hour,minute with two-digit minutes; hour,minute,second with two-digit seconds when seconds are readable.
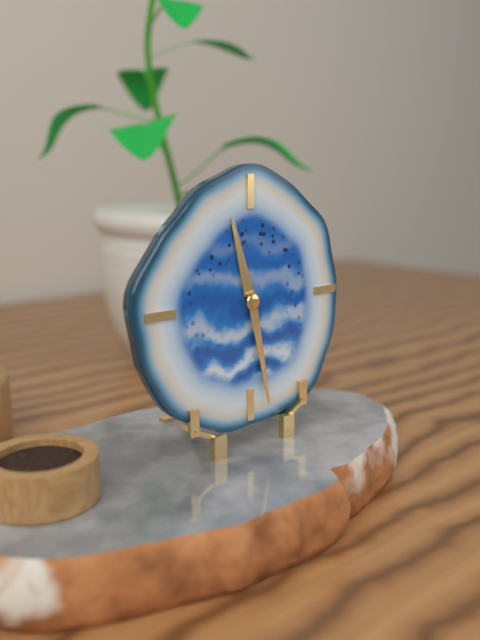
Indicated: 11,28
